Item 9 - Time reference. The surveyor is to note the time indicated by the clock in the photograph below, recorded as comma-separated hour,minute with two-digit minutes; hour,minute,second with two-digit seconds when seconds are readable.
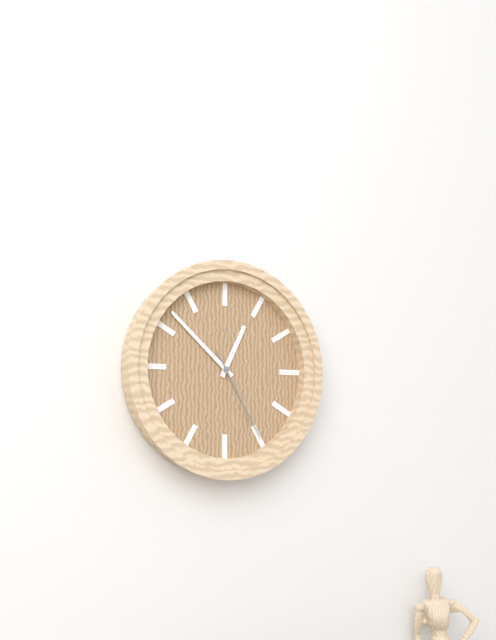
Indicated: 12,52,25
